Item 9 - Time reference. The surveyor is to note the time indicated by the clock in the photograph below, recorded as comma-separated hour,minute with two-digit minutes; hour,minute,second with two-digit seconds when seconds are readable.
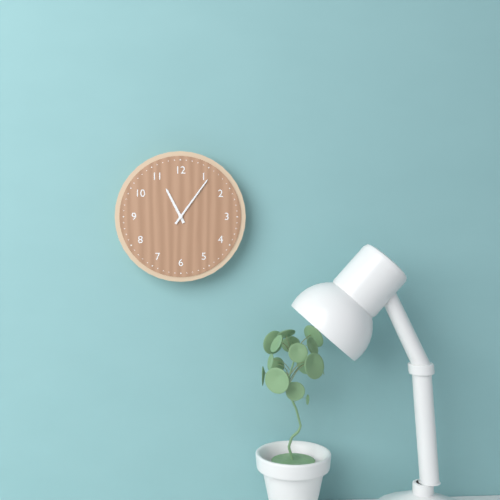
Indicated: 11,06
